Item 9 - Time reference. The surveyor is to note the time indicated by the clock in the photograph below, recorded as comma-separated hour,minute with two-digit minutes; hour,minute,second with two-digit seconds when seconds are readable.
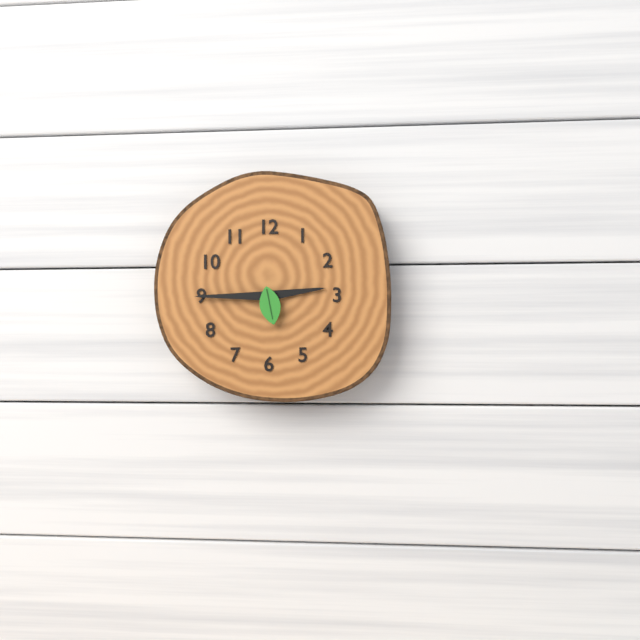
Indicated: 2,45
